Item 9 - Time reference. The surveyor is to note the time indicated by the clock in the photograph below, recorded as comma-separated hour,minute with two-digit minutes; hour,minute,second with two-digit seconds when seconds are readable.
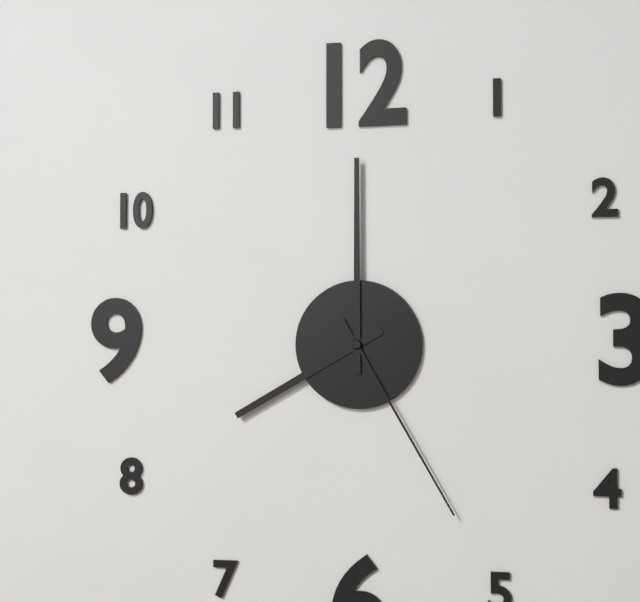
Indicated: 8,00,25
